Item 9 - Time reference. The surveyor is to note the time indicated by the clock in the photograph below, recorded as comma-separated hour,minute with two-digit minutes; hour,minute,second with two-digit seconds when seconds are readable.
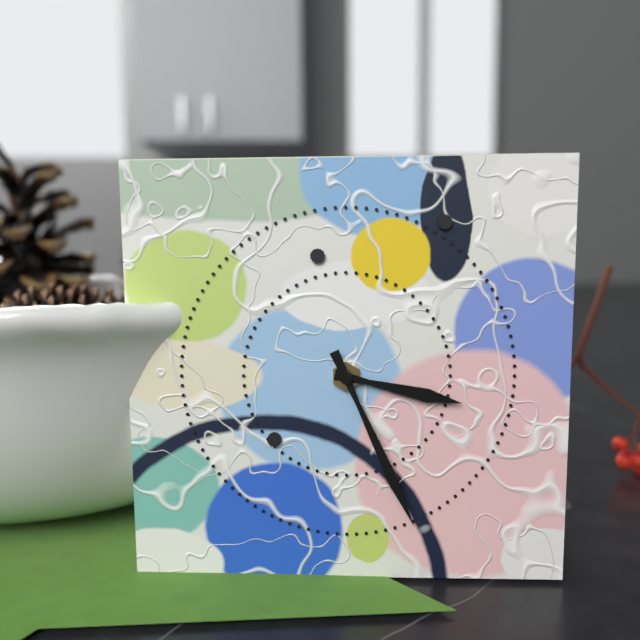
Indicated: 3,26
